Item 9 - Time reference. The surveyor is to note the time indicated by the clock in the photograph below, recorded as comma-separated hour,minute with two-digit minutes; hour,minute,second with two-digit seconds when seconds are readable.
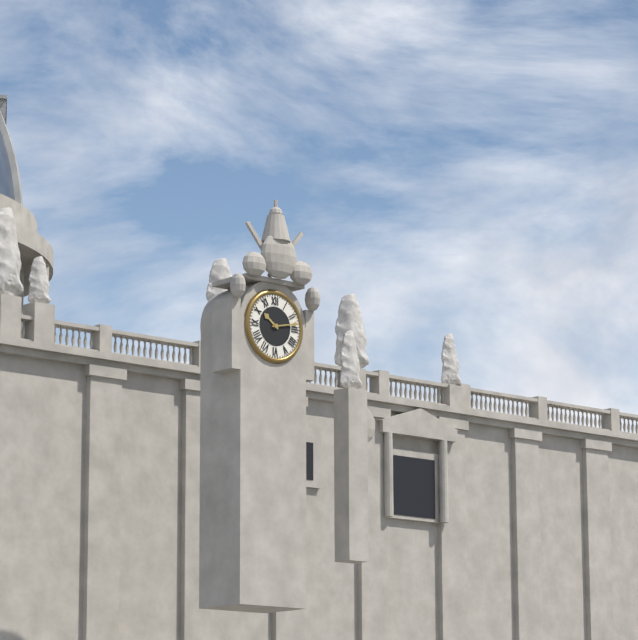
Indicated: 10,13
